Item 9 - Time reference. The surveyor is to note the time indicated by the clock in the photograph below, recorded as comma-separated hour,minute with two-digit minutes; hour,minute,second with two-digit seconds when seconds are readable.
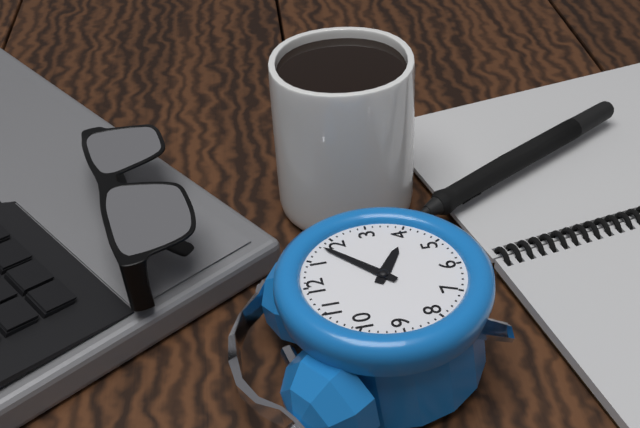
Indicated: 4,08
